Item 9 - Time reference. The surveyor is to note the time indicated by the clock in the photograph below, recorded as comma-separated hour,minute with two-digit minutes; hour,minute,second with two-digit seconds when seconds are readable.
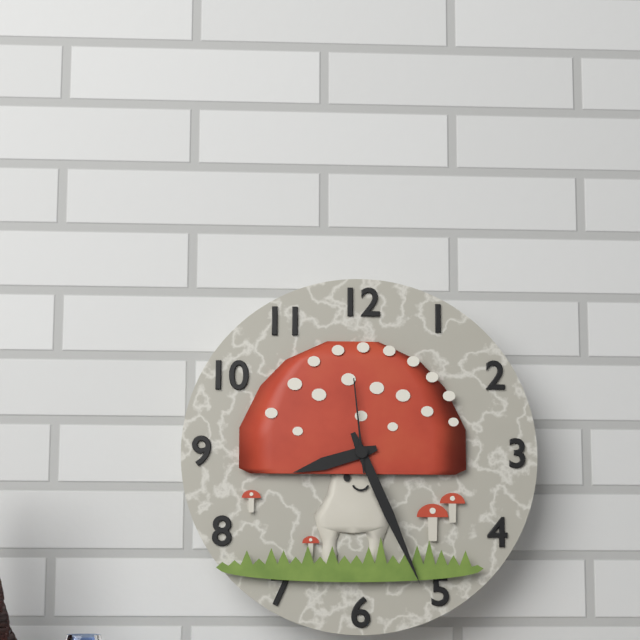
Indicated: 8,26,59
